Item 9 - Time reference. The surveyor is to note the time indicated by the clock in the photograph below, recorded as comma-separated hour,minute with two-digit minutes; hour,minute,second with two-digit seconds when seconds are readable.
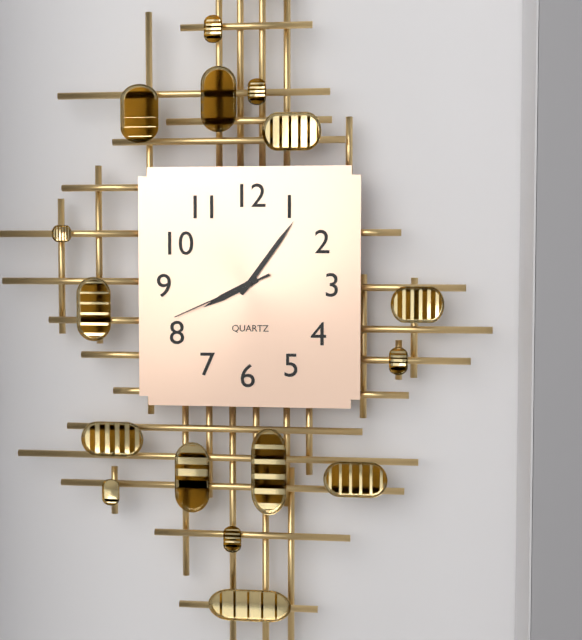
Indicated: 8,06,41
